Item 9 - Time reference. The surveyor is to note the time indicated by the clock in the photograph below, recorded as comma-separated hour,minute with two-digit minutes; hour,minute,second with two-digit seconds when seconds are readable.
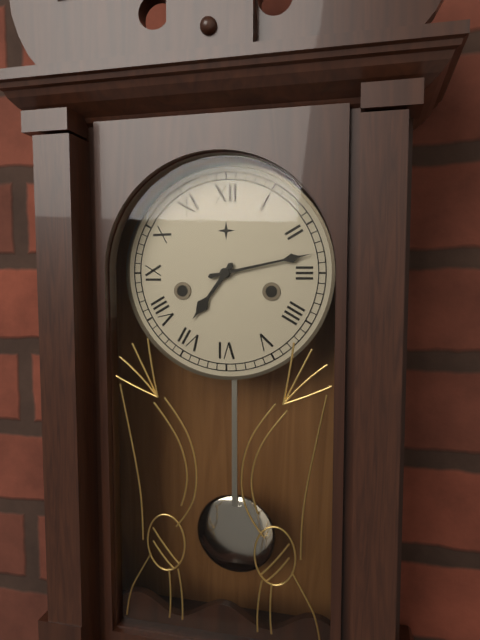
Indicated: 7,13
